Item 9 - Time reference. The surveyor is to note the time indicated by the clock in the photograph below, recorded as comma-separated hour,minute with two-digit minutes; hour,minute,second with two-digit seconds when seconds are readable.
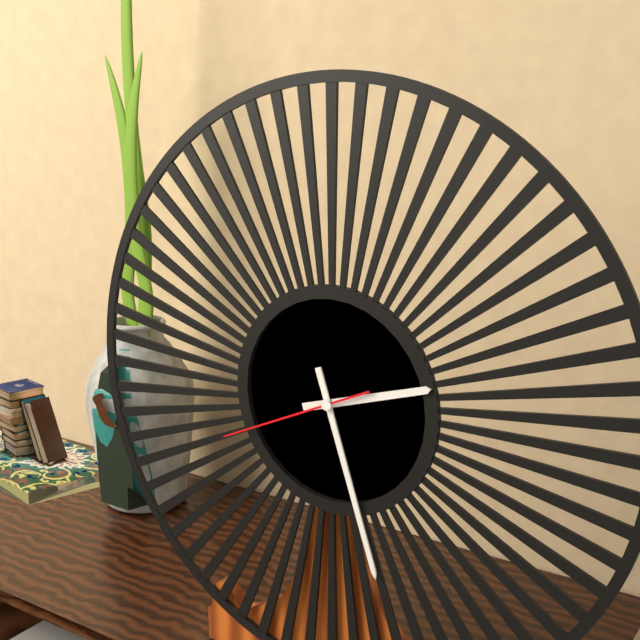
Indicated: 2,27,41
